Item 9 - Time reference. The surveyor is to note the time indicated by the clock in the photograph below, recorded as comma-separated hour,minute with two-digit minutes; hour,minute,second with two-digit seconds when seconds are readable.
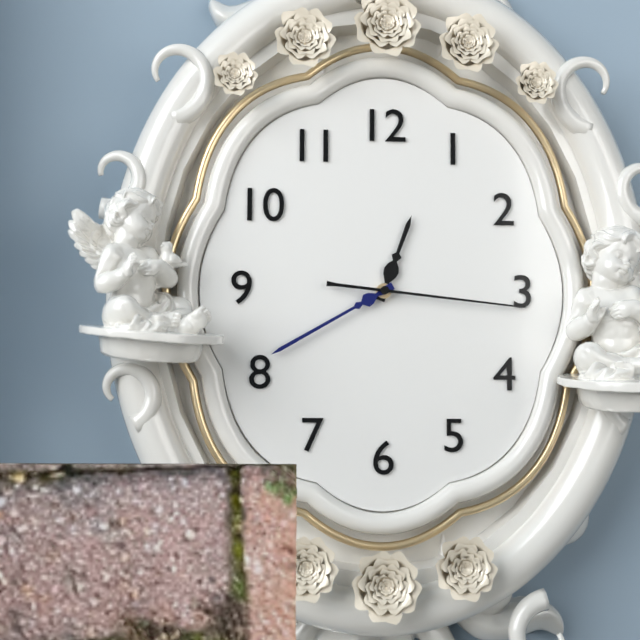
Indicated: 12,40,16
